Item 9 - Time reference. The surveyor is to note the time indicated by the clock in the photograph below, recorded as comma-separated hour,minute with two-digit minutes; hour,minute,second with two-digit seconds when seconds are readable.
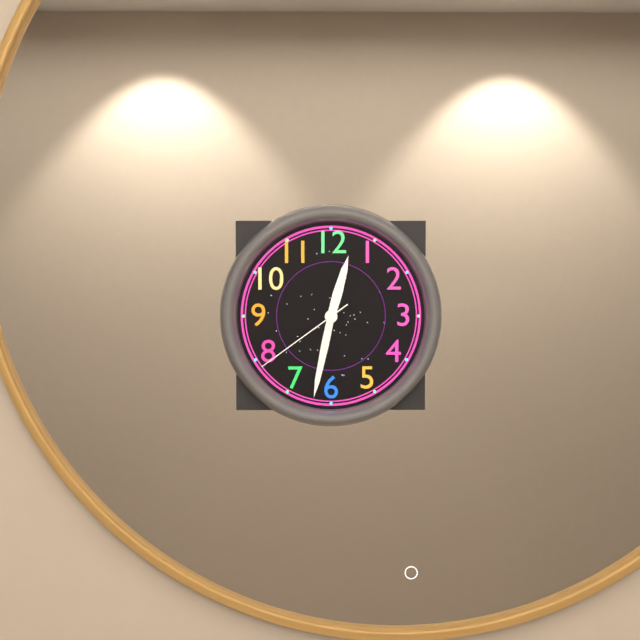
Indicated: 12,32,39
